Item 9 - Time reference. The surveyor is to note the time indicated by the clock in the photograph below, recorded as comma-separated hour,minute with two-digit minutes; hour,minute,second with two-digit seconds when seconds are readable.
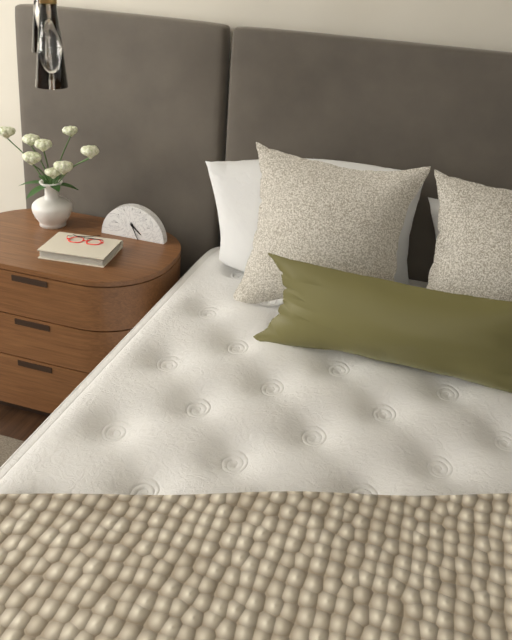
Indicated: 4,26
